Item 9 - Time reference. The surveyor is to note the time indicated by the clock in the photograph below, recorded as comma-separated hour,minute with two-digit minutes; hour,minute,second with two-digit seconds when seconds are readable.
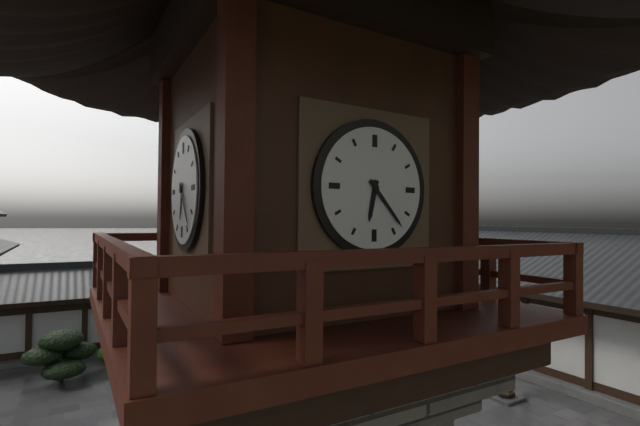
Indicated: 6,23
